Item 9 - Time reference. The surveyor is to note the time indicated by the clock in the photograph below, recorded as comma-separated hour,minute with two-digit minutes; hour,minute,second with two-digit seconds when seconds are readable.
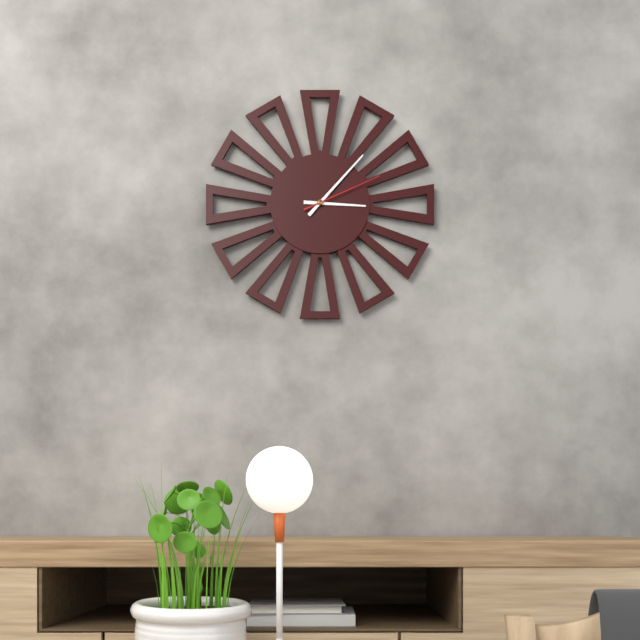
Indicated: 3,07,11
